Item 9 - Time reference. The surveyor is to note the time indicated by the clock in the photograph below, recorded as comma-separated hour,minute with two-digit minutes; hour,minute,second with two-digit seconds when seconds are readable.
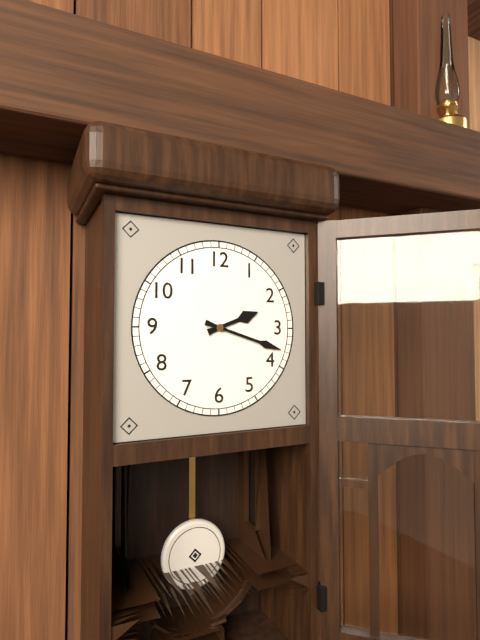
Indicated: 2,18
